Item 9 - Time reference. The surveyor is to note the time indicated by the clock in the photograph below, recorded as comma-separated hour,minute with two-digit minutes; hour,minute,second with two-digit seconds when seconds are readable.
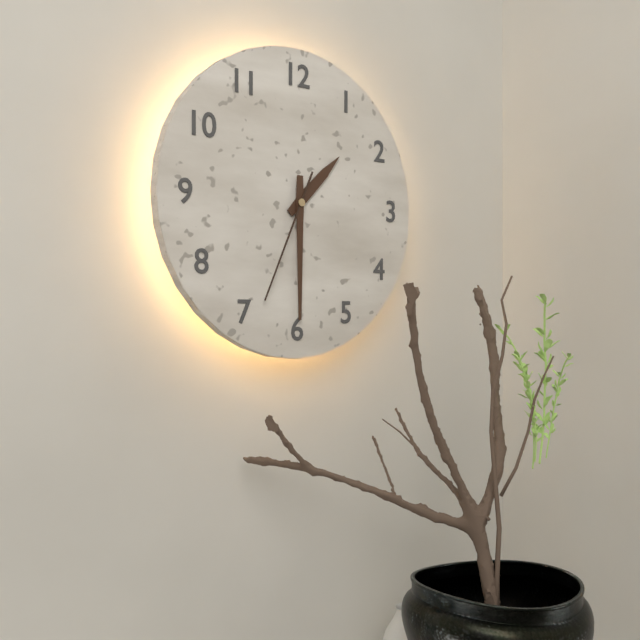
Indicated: 1,30,34
